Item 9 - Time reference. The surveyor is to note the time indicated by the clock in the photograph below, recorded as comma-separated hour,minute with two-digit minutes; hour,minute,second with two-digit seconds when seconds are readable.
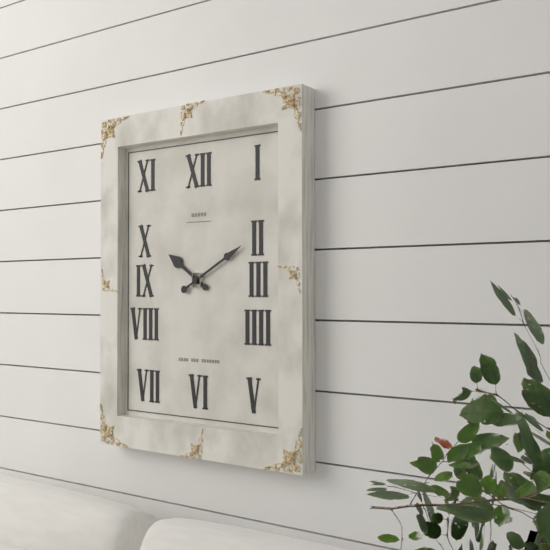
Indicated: 10,10
